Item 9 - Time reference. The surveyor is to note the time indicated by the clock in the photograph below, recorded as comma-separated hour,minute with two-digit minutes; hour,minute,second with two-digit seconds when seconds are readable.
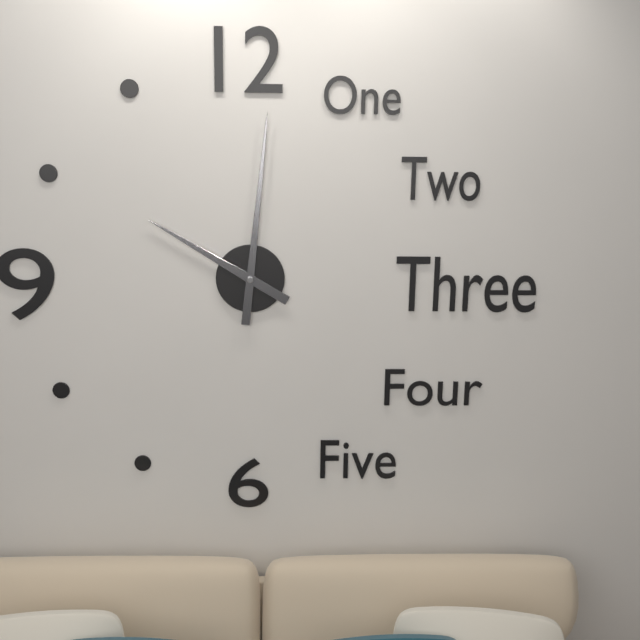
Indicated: 10,01
